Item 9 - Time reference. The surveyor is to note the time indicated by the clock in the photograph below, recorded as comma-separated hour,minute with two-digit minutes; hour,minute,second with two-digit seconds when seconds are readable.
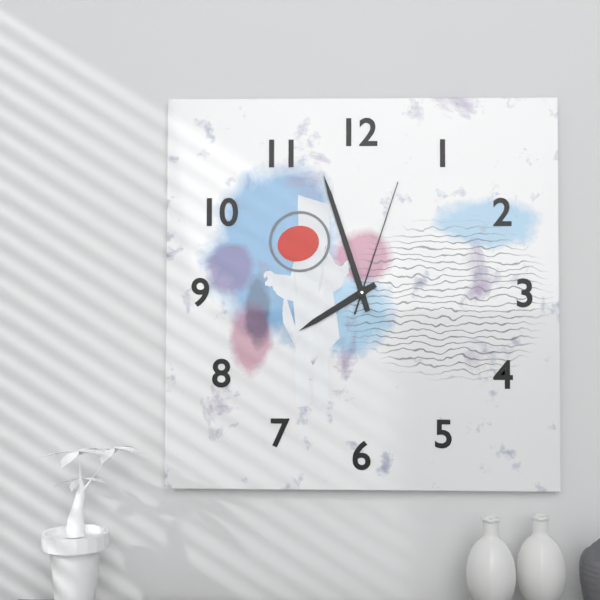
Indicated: 7,57,03
